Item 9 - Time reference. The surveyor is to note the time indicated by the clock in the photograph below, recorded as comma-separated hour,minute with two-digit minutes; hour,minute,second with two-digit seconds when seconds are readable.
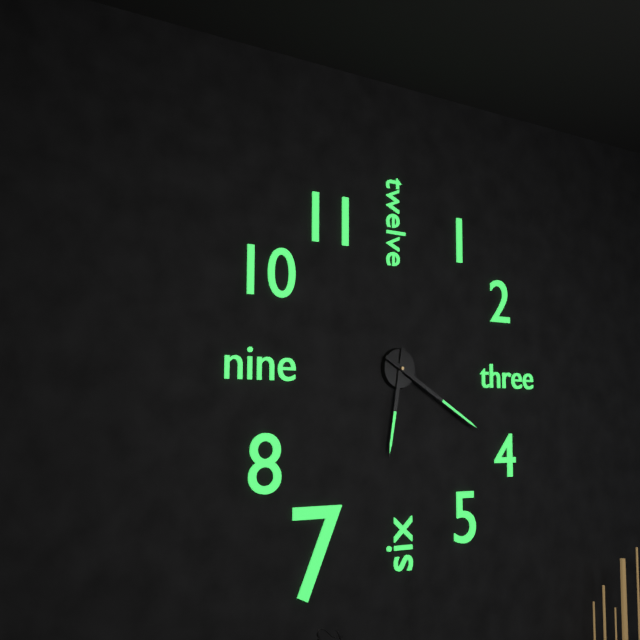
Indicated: 6,20
